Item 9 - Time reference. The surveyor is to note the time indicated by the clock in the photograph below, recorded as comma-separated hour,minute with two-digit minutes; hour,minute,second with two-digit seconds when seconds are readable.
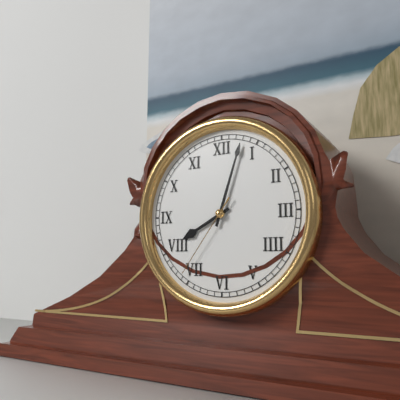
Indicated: 8,03,36
